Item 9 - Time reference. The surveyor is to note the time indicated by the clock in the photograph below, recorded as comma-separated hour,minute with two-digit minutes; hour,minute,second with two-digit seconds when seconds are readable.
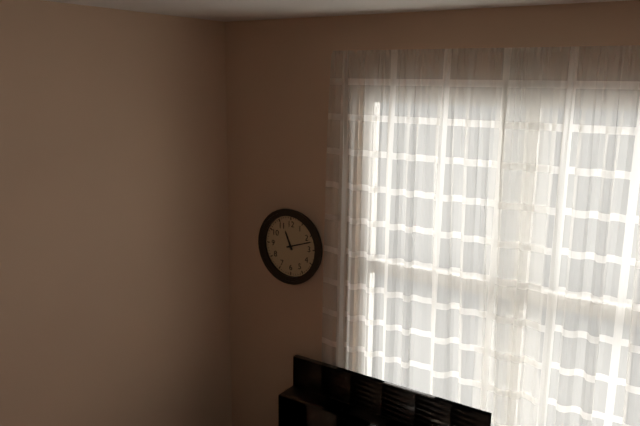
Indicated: 11,12
